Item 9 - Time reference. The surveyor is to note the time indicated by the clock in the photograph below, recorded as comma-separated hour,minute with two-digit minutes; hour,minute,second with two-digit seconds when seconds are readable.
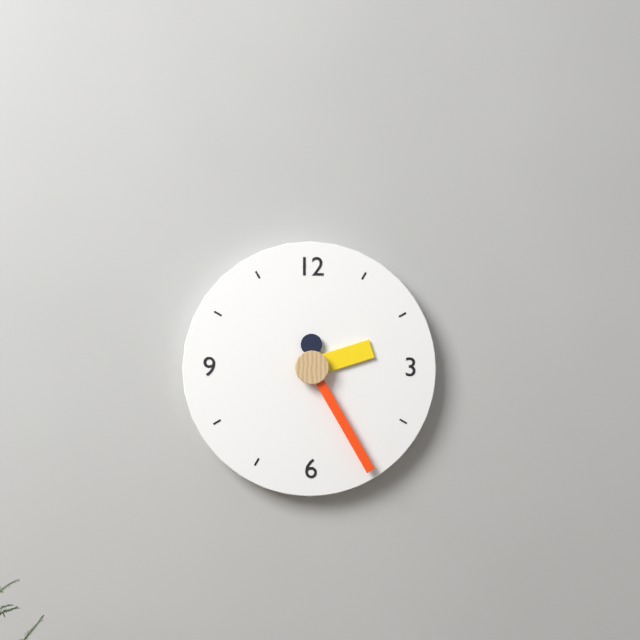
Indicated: 2,25
